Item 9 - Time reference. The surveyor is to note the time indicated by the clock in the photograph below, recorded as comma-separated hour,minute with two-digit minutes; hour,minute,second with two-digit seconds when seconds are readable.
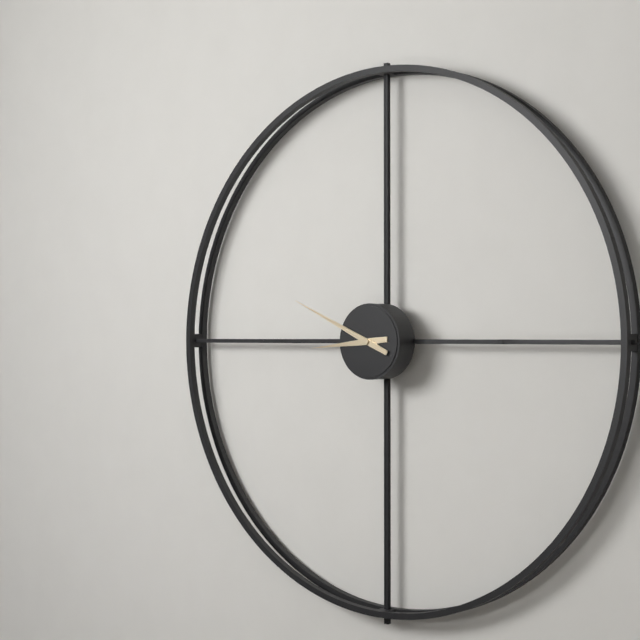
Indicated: 8,49
